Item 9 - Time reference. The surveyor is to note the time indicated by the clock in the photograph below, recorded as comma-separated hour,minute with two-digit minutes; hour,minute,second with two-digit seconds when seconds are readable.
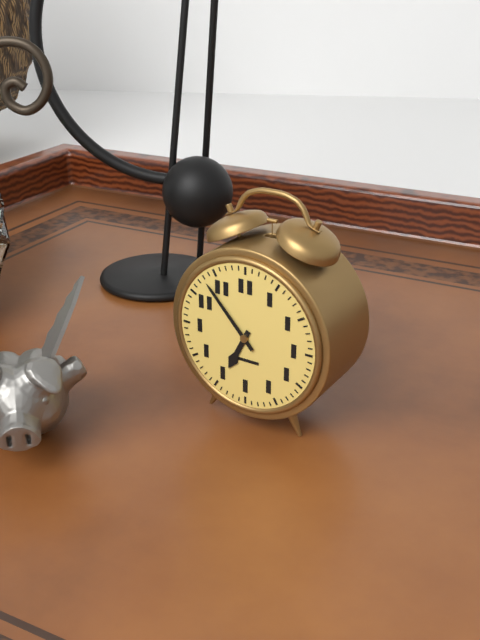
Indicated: 6,53
